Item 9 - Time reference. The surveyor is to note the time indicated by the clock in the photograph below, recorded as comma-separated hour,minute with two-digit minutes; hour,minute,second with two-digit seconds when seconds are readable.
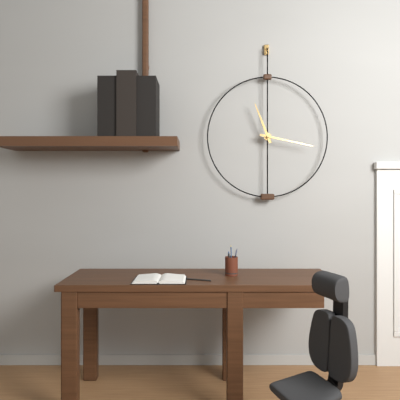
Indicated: 11,17
